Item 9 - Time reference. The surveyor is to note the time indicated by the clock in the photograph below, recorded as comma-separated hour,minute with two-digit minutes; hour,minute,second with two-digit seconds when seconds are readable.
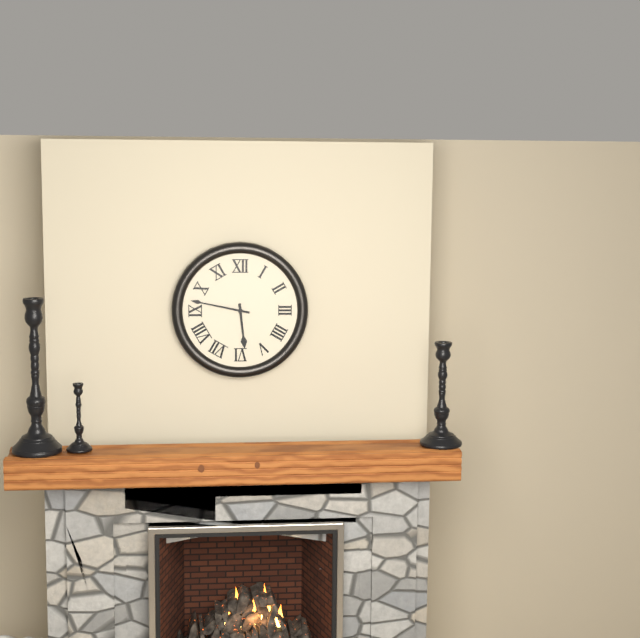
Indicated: 5,47
